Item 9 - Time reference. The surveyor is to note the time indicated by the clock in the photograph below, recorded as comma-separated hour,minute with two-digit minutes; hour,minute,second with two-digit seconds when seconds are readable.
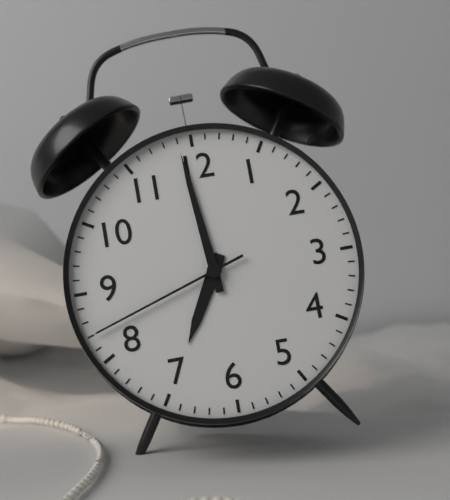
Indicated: 6,59,42
